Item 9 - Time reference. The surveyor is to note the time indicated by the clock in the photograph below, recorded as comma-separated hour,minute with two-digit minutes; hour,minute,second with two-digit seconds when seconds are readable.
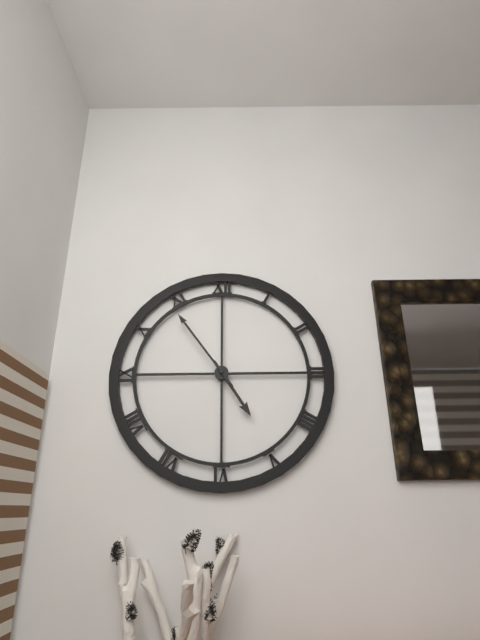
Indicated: 4,54
